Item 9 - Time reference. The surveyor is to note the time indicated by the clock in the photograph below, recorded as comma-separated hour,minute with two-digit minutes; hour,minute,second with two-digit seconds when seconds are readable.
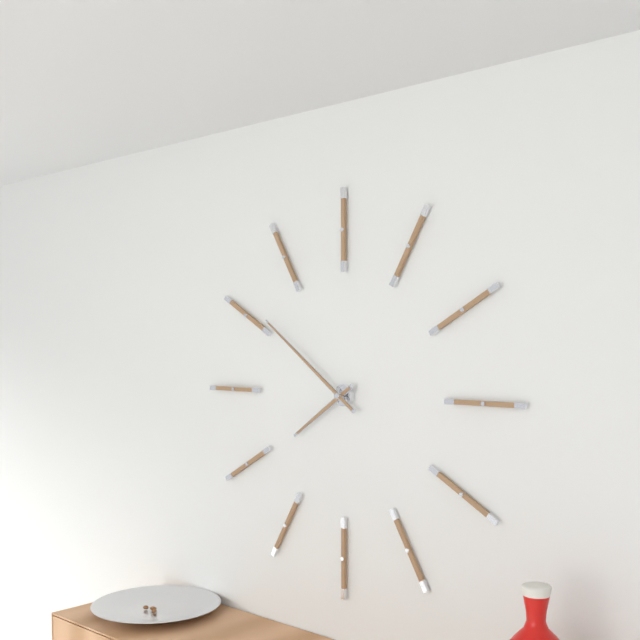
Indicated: 7,51
